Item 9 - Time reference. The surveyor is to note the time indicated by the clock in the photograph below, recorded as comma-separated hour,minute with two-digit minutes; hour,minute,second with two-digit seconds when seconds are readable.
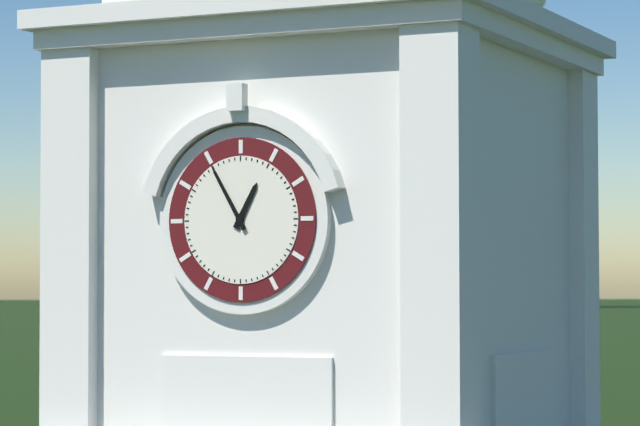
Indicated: 12,55
